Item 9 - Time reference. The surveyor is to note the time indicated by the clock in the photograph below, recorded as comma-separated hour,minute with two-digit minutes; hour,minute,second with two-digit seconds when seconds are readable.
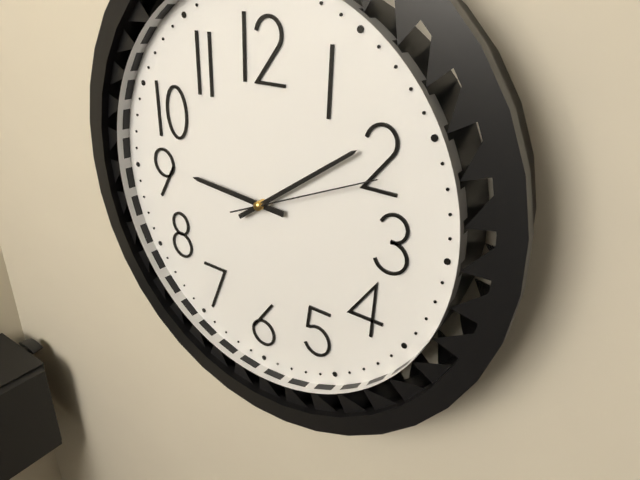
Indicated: 9,09,11
